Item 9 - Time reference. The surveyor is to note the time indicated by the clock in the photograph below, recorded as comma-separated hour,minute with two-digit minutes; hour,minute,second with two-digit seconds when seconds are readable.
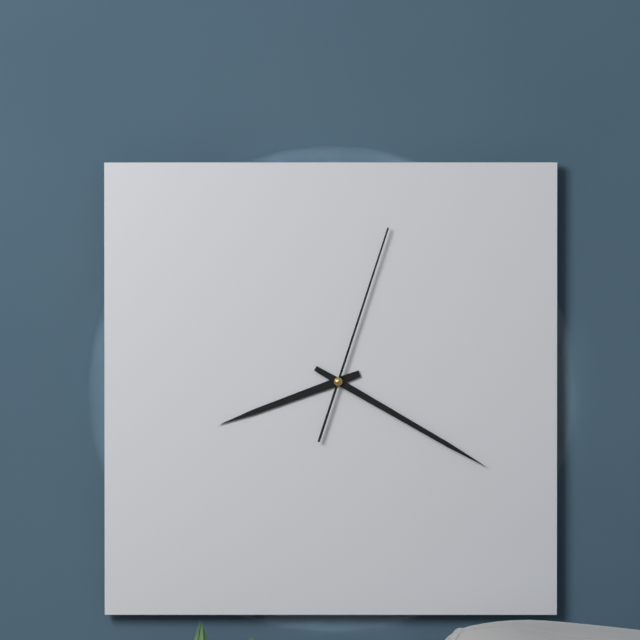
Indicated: 8,20,03
